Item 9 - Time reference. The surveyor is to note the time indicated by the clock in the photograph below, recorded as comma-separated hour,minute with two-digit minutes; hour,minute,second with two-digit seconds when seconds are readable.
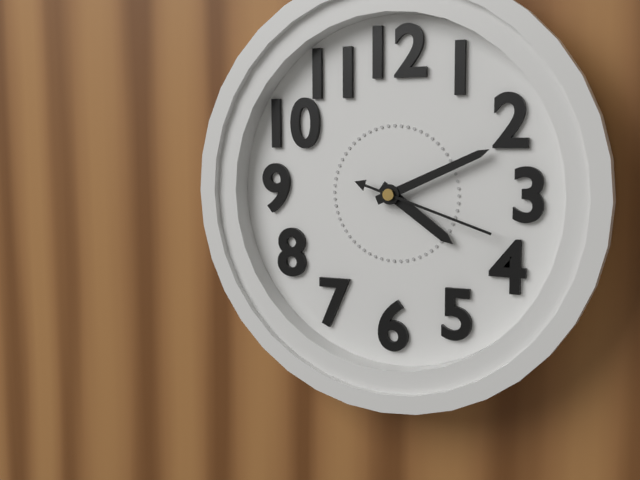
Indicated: 4,11,18
